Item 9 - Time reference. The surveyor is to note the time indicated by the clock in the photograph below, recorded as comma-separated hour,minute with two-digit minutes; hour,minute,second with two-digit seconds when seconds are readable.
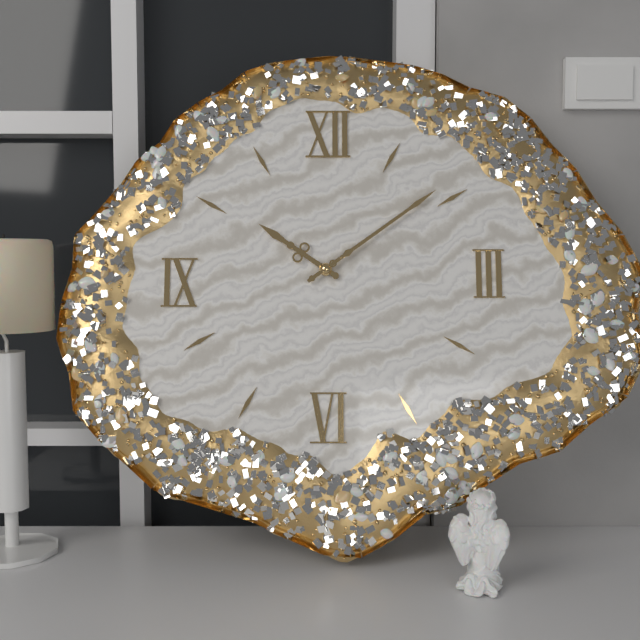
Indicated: 10,09
